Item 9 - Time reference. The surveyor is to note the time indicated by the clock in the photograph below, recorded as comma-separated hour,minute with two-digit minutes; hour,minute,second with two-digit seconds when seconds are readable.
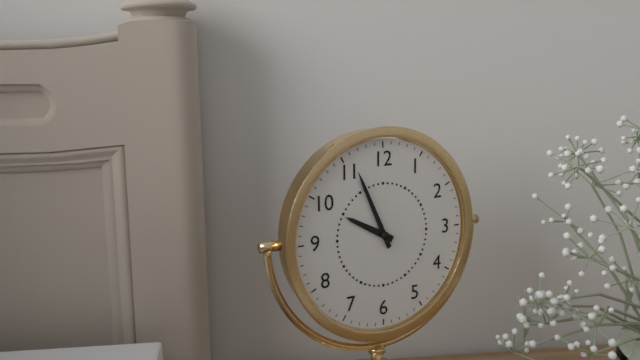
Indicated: 9,56
